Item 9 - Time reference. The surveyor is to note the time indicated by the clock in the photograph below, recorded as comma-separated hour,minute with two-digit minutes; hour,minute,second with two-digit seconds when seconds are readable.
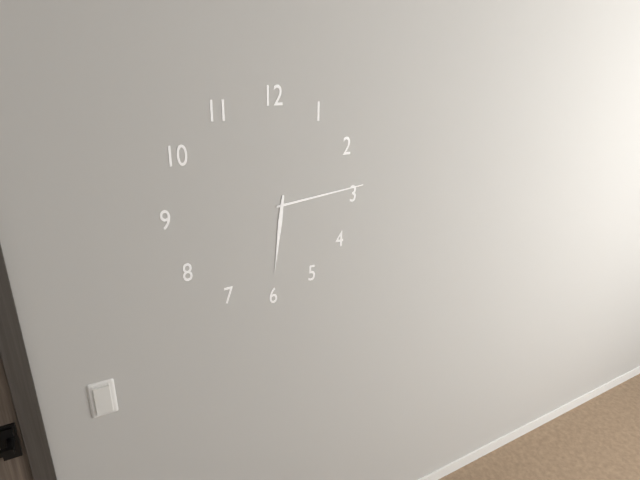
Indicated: 6,14
